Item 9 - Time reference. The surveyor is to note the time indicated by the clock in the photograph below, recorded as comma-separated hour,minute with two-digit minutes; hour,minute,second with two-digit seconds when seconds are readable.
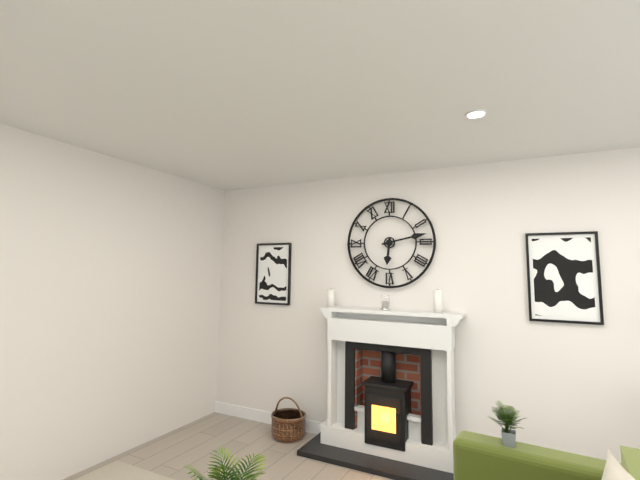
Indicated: 6,13
